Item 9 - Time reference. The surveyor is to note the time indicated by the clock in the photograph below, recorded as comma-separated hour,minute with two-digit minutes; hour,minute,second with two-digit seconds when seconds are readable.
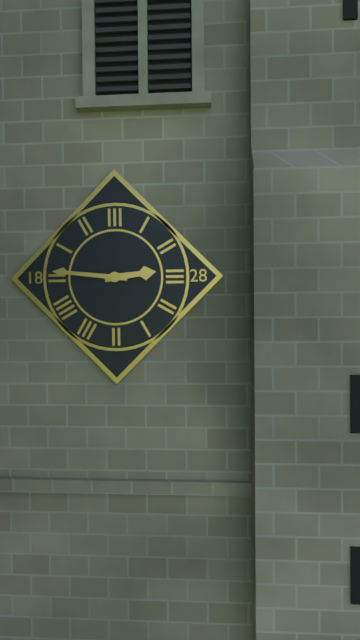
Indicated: 2,46
